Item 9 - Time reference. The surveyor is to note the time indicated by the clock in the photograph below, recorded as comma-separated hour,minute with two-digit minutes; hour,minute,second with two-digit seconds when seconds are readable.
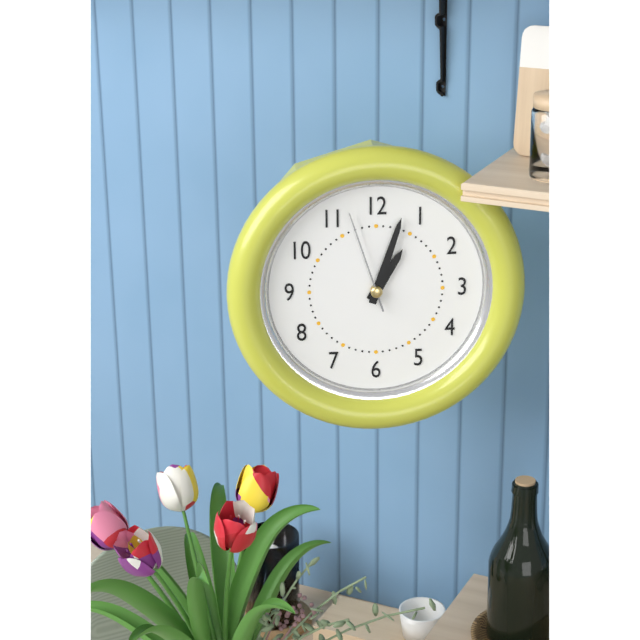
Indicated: 1,03,57
